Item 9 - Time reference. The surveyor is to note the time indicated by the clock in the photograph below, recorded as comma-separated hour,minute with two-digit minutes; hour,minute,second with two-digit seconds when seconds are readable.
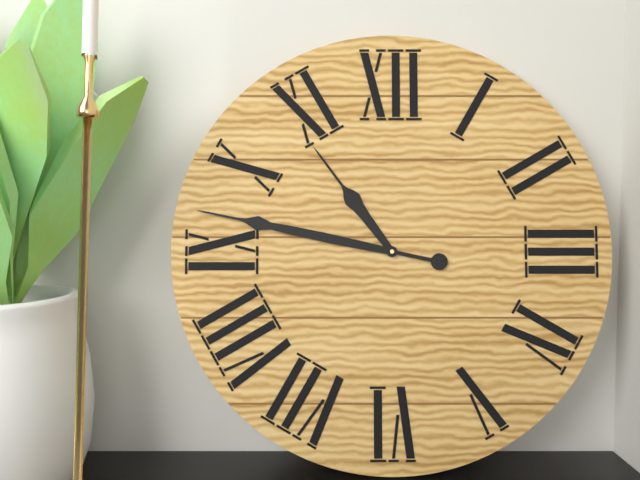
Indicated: 10,47
